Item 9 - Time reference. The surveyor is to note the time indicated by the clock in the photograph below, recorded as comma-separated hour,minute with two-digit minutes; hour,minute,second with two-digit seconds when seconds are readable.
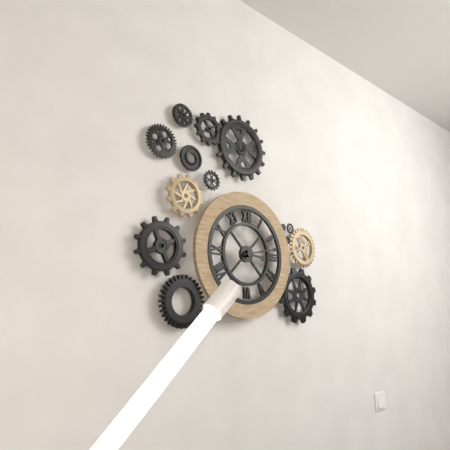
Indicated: 3,13
